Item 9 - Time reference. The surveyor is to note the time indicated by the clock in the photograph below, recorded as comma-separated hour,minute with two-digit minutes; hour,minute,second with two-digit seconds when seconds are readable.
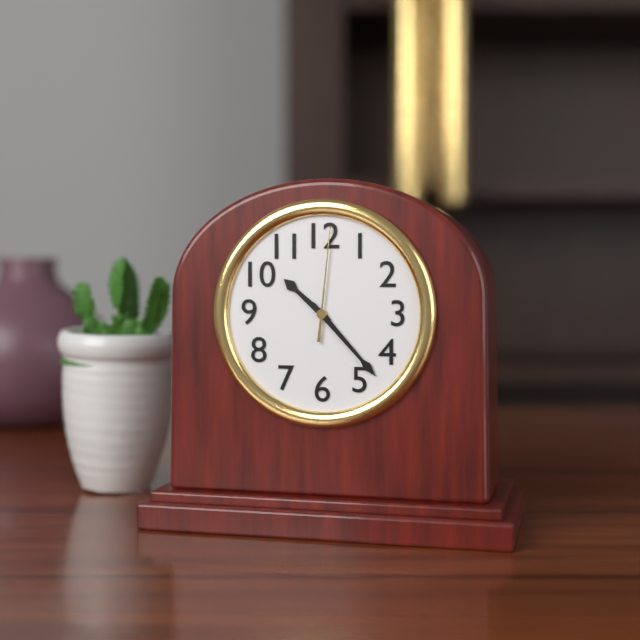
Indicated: 10,23,01
